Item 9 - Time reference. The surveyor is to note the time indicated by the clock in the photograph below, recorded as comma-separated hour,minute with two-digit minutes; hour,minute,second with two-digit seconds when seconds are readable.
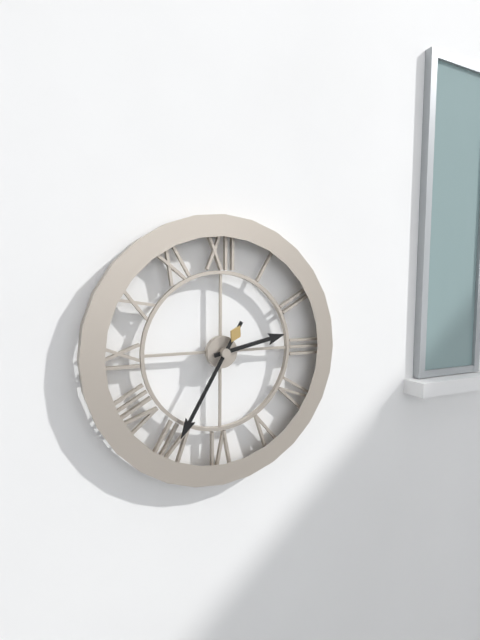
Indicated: 2,35
